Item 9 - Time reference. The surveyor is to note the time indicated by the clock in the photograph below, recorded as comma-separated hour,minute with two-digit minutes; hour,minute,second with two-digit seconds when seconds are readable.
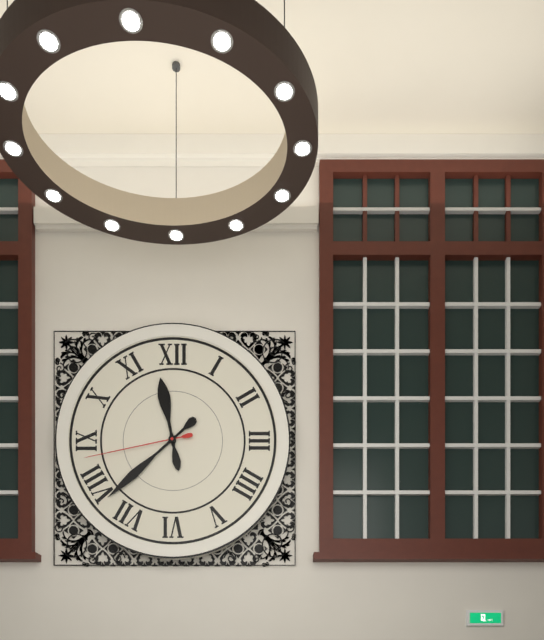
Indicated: 11,38,43
